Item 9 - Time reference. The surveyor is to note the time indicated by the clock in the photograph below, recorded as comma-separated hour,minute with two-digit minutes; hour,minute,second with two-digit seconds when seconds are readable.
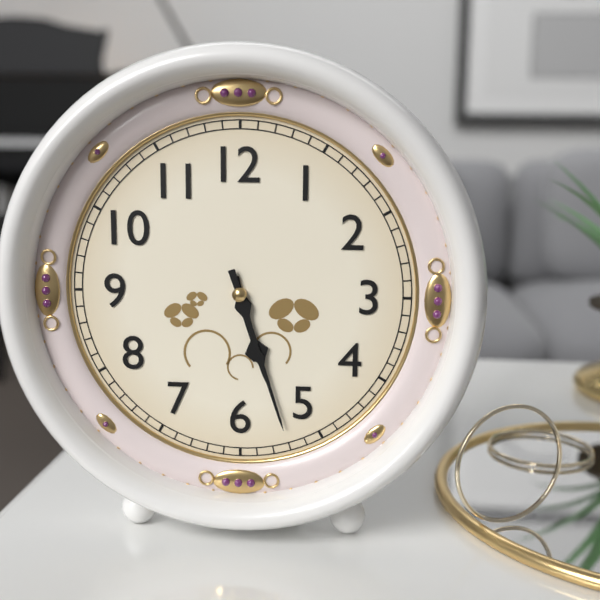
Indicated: 5,27
